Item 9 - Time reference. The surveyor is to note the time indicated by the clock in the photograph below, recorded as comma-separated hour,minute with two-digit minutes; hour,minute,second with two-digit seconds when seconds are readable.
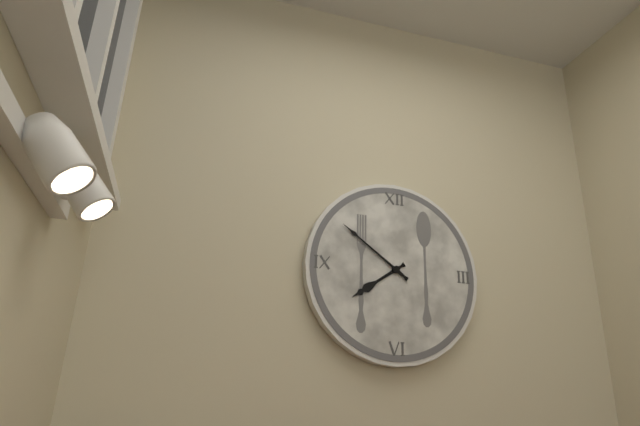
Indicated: 7,51
